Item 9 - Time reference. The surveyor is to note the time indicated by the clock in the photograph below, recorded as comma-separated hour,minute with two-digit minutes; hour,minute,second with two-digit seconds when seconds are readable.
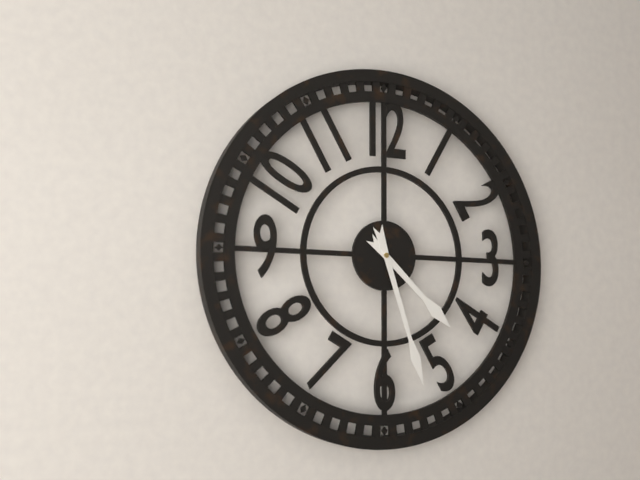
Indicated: 4,27
